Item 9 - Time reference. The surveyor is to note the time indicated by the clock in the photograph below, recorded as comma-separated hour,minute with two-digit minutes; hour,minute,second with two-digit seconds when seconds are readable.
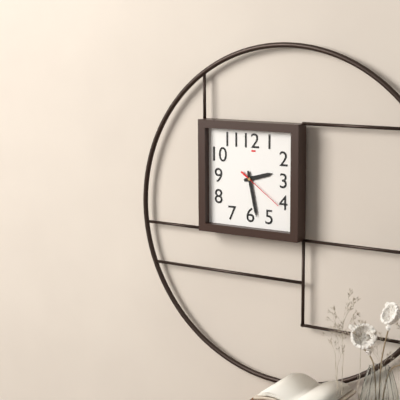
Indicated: 2,28
